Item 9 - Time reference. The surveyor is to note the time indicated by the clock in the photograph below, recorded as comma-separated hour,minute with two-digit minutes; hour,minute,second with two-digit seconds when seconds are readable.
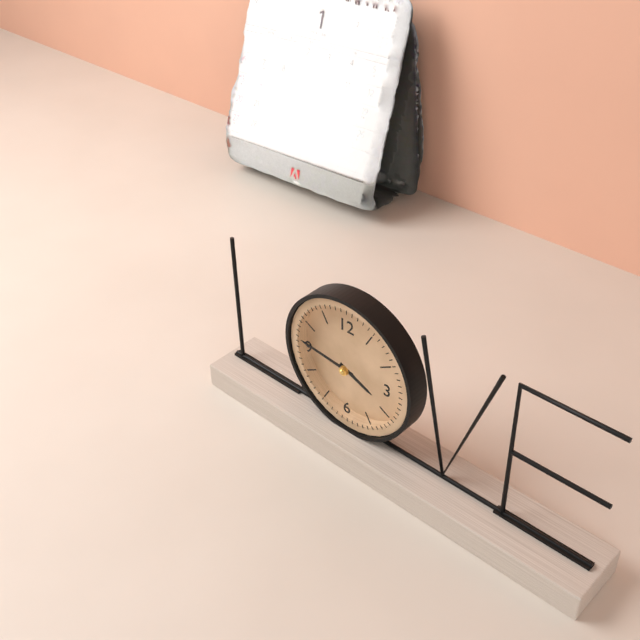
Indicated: 3,46
